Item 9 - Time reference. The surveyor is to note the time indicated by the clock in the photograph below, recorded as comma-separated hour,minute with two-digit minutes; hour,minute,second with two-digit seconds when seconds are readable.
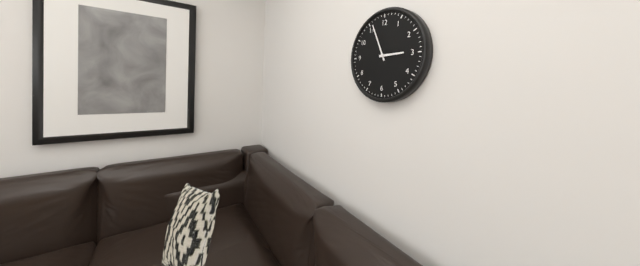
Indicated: 2,56
